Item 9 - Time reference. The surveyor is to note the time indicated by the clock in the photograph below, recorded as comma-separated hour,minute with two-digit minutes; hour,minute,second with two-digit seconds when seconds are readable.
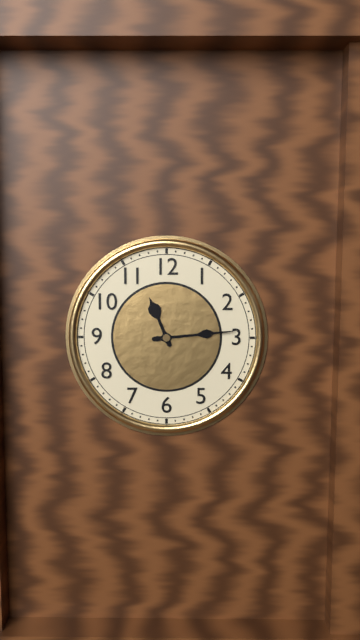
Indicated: 11,14
